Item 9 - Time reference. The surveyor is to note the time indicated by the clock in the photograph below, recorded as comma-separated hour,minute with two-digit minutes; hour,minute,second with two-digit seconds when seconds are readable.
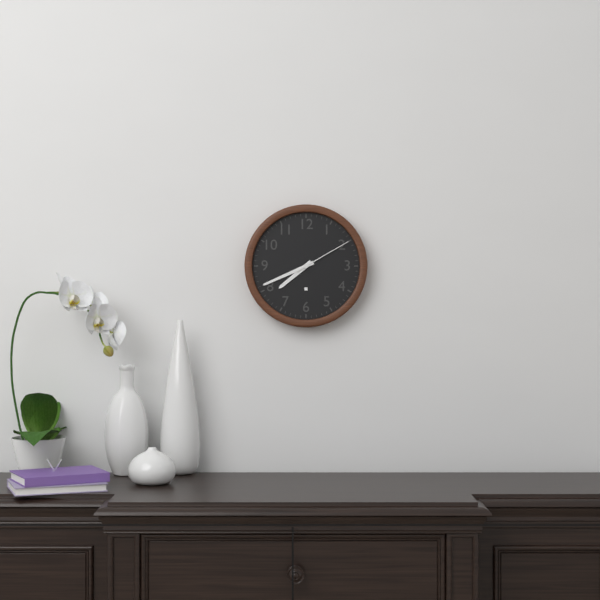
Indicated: 7,41,10
